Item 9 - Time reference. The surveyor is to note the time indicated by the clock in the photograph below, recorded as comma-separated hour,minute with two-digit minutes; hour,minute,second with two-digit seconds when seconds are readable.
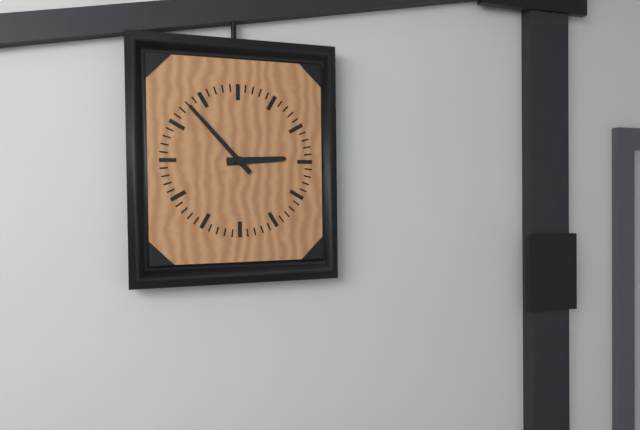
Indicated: 2,53
